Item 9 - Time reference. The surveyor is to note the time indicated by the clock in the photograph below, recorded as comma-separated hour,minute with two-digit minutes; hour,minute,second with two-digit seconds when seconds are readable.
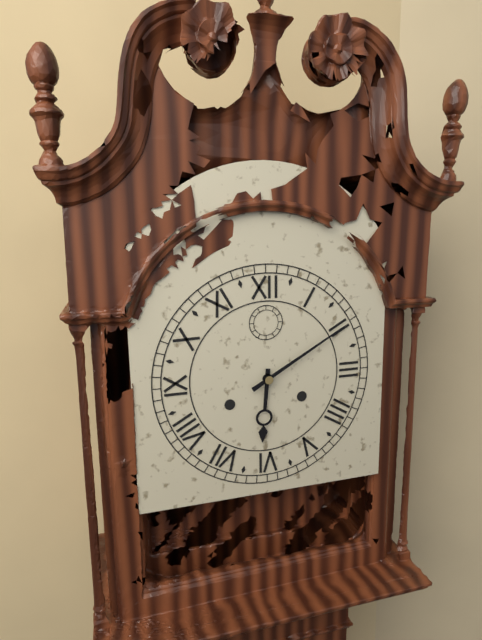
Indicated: 6,10
